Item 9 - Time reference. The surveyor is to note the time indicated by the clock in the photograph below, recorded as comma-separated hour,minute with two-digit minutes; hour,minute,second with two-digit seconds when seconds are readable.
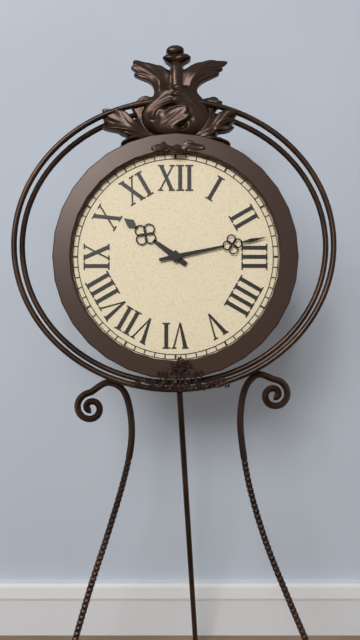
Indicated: 10,13
